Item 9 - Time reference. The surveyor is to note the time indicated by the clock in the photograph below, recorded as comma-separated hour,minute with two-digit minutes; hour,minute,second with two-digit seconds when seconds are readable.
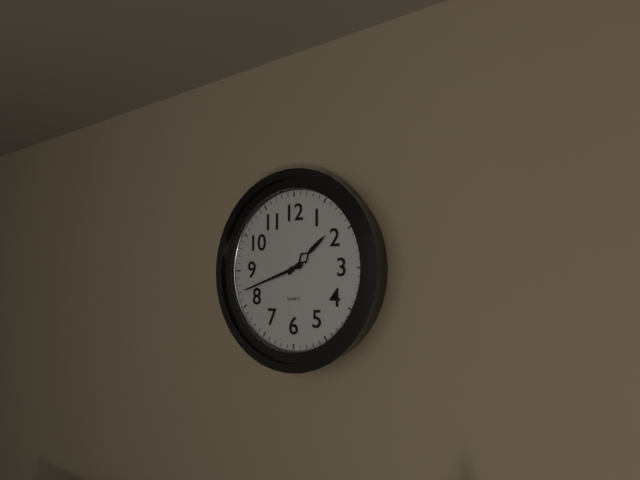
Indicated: 1,42
